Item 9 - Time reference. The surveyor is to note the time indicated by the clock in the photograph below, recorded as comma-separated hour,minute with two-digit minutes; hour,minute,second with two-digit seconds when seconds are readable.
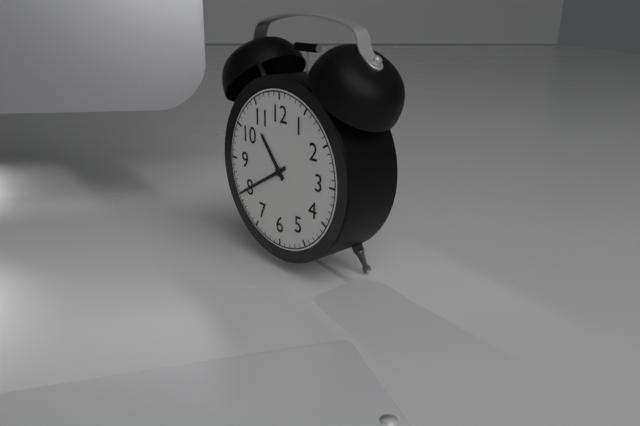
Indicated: 10,40
